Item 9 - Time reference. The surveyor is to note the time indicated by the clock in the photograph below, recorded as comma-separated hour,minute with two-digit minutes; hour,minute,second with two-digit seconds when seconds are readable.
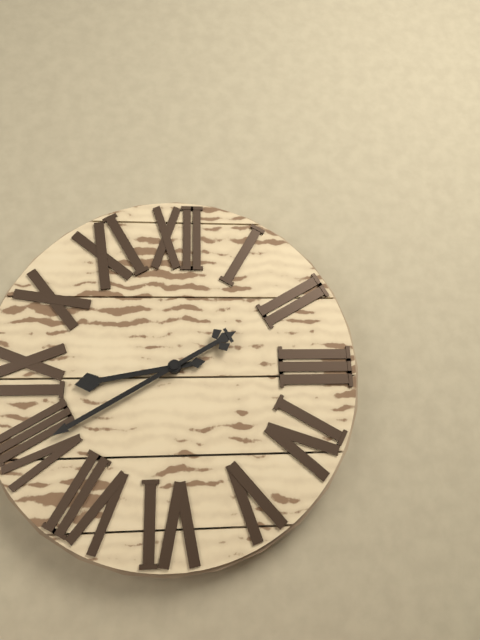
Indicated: 8,40
